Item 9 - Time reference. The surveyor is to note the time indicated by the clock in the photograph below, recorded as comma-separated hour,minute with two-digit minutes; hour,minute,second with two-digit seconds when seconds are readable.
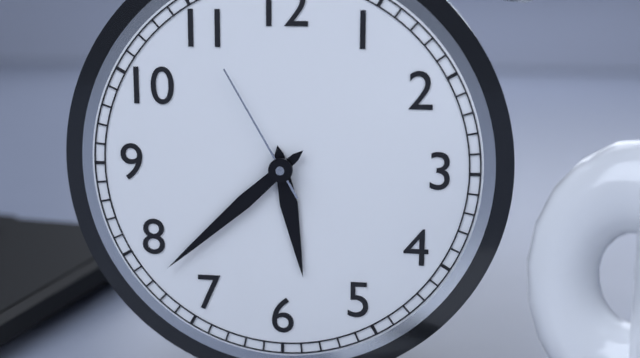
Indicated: 5,38,55
